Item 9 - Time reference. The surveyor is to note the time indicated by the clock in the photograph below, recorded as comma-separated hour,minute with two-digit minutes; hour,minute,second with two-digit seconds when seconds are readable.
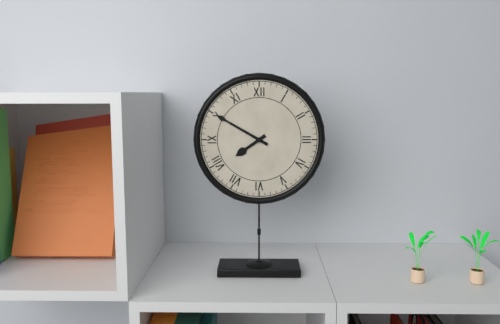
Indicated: 7,50
